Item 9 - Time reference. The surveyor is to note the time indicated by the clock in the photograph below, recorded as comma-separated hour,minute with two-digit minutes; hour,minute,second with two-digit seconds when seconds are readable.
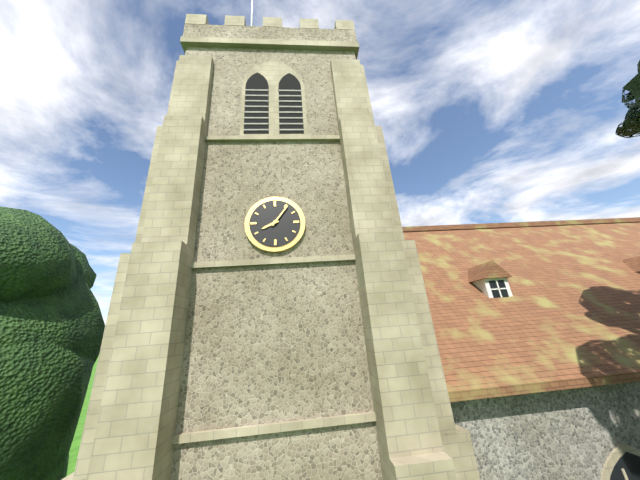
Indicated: 8,06
